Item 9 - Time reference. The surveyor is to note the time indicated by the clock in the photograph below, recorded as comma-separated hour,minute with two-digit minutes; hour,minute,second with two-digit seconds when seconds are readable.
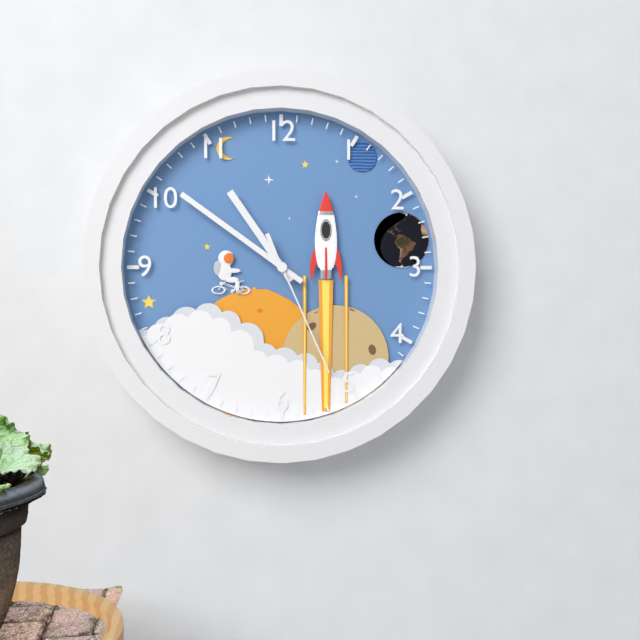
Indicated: 10,51,26
